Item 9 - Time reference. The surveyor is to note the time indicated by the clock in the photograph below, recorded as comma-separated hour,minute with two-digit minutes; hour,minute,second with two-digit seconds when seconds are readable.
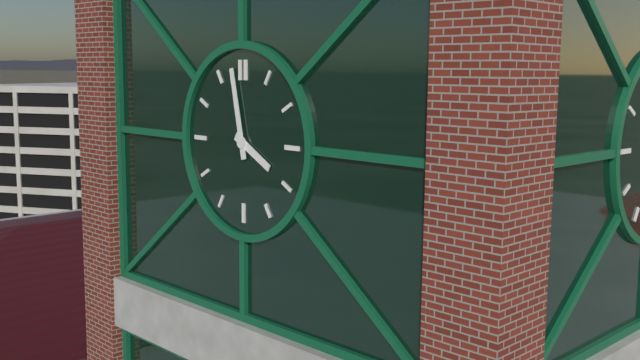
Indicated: 3,58
